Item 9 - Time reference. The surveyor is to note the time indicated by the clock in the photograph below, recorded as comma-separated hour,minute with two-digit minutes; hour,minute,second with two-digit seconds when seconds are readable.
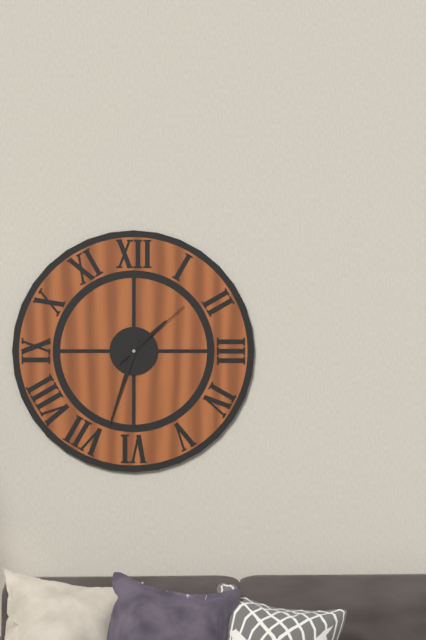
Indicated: 1,33,08
